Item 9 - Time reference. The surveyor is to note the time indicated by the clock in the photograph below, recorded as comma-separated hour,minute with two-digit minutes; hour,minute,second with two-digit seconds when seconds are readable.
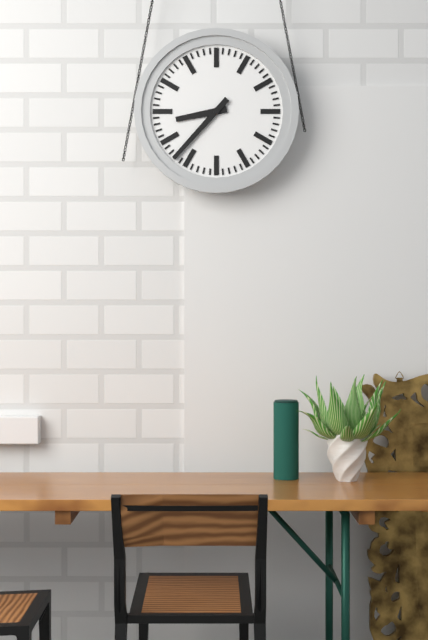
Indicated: 8,37
